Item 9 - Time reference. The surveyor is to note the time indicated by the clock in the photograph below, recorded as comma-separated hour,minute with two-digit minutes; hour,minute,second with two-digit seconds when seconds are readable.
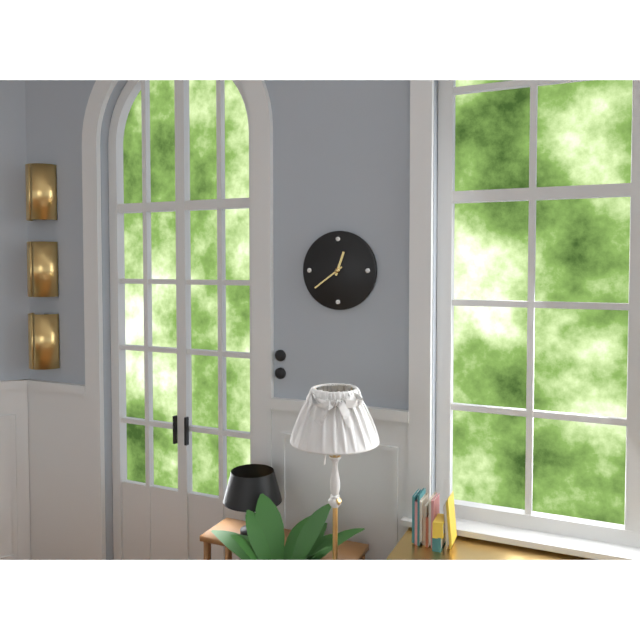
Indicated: 12,39
